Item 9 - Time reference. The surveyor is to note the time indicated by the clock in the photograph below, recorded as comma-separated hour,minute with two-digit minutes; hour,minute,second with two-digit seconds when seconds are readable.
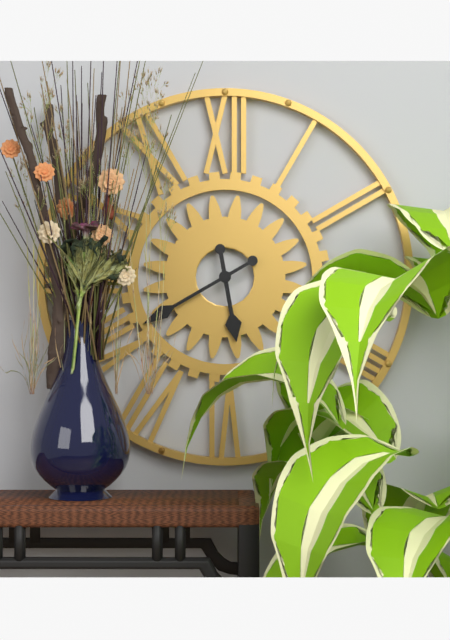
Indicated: 5,40
